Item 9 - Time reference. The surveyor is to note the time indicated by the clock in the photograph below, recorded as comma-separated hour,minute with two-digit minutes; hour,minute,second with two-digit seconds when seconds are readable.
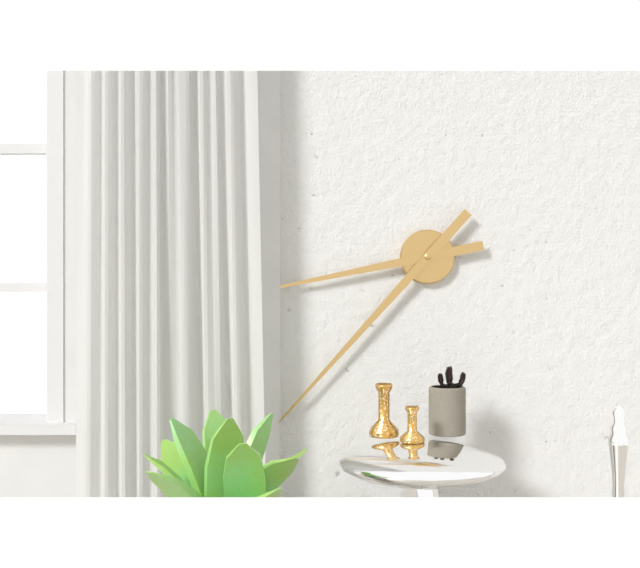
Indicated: 8,37
